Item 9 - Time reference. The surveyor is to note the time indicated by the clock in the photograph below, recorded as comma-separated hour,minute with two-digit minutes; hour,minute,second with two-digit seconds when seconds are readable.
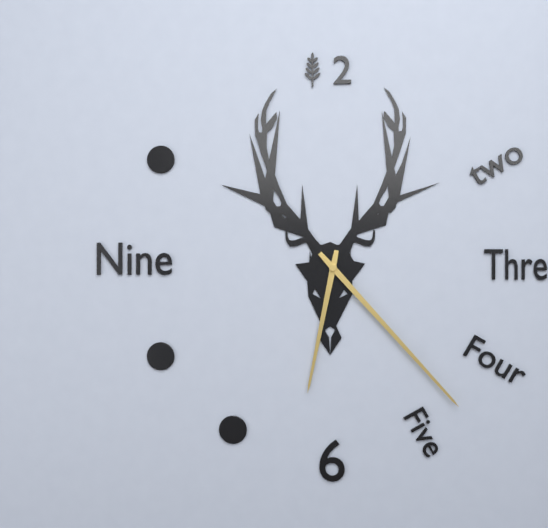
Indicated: 6,23
